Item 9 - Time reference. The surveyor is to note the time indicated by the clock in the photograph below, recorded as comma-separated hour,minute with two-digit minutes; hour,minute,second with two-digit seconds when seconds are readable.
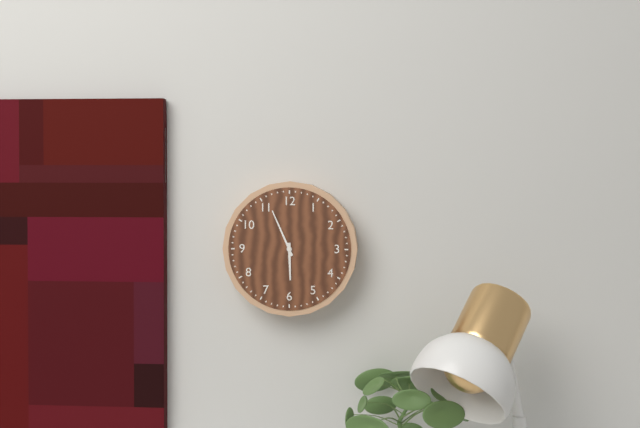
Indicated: 5,56
